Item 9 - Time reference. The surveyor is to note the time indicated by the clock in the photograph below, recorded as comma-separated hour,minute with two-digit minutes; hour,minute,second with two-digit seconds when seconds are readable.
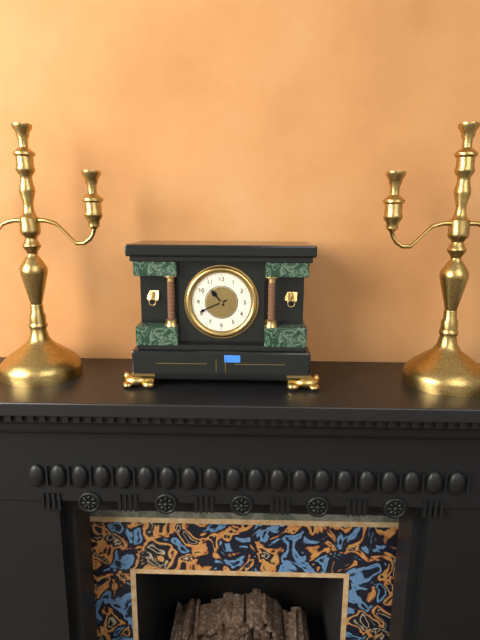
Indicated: 10,41
